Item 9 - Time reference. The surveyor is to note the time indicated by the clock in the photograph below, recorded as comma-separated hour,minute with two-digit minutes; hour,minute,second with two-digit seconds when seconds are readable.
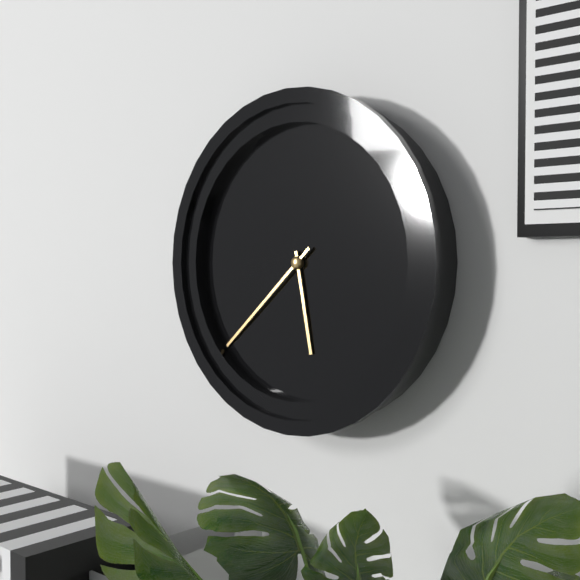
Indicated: 5,38
